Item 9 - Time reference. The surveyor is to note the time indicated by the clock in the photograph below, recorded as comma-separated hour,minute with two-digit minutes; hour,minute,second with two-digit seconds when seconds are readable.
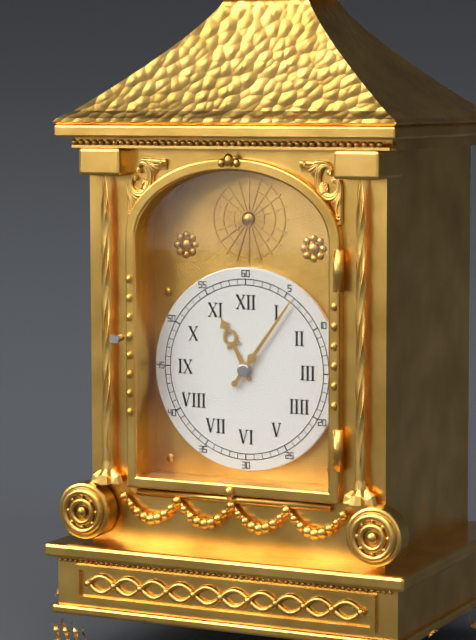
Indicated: 11,06
